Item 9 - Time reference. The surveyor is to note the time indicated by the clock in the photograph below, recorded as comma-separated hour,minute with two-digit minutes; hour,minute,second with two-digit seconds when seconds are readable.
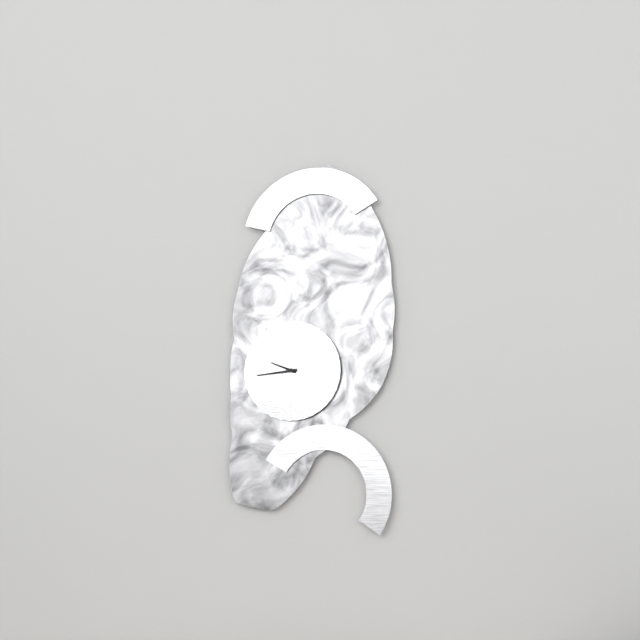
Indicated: 9,44
